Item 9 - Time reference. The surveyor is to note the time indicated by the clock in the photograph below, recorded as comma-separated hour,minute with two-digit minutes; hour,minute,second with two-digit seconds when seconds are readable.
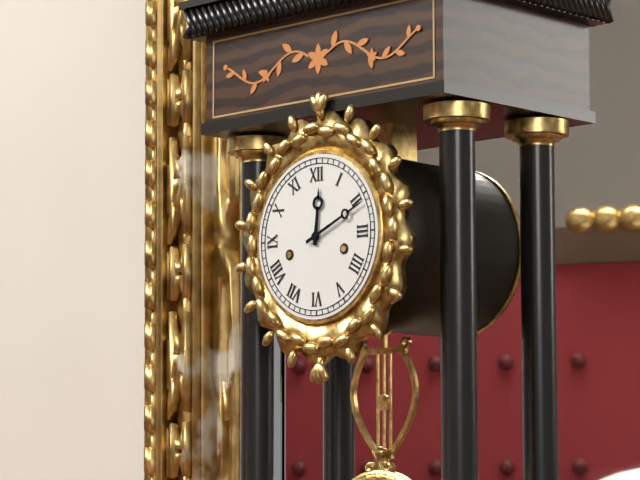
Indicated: 12,11
